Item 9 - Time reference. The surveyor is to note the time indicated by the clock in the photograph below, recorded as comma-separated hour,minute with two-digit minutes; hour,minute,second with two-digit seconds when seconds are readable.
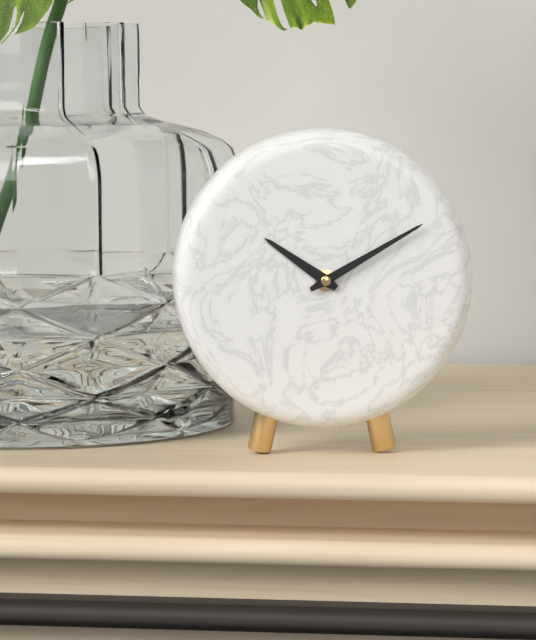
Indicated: 10,10
